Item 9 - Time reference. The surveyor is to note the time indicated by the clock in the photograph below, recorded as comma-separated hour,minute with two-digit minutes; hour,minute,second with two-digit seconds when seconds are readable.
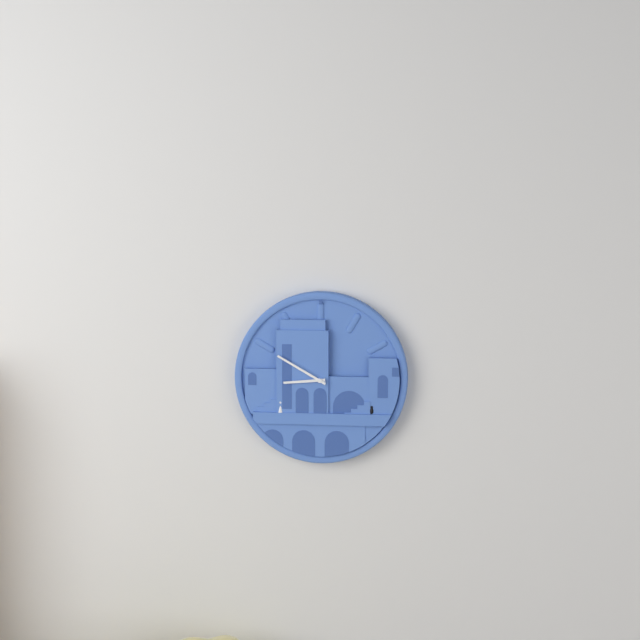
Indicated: 8,50
